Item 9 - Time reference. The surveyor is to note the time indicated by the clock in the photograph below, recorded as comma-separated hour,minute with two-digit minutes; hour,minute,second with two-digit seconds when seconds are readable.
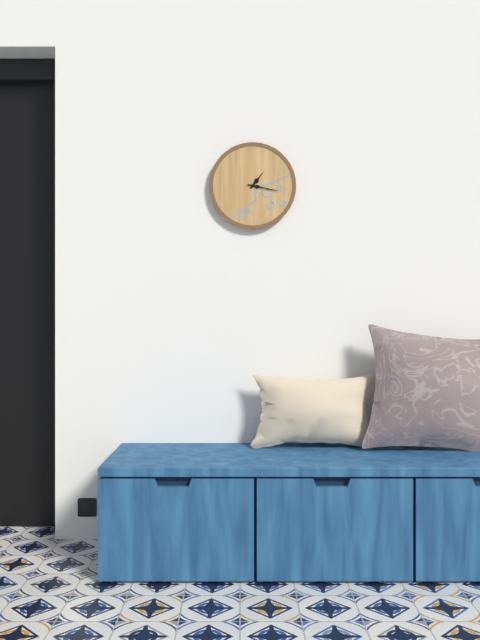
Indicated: 1,17
